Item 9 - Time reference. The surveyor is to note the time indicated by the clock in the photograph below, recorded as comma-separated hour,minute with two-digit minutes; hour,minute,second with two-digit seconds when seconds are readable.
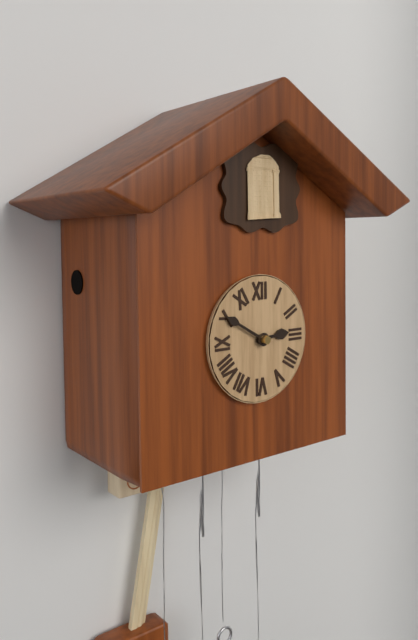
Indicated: 2,50
